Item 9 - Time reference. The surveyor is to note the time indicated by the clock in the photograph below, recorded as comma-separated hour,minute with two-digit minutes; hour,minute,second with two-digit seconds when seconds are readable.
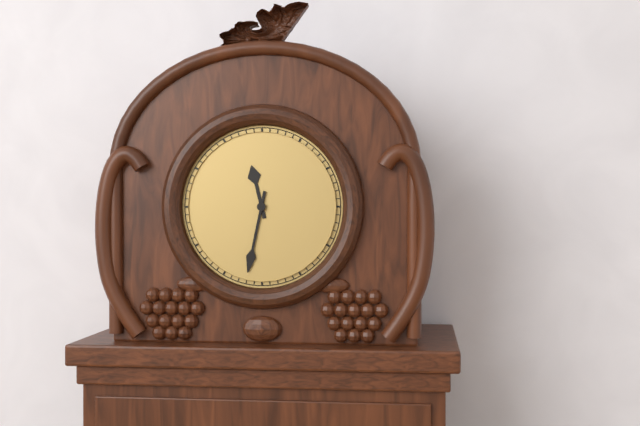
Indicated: 11,32
